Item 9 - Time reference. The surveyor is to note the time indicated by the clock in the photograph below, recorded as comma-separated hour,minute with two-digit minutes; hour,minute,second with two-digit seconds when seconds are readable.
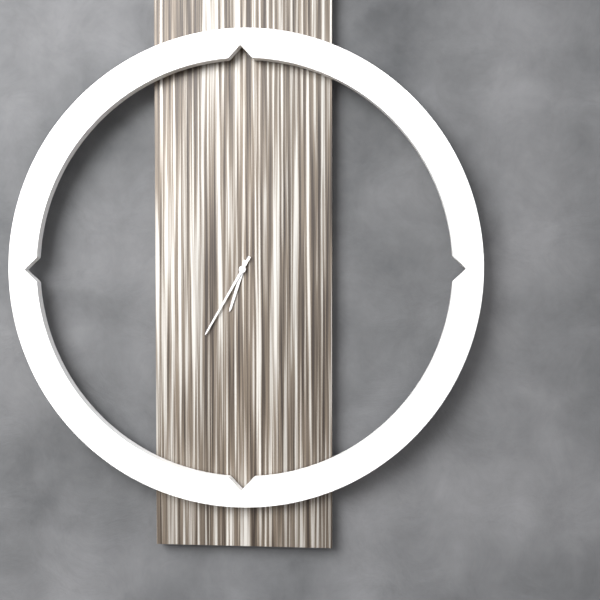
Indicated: 6,35
